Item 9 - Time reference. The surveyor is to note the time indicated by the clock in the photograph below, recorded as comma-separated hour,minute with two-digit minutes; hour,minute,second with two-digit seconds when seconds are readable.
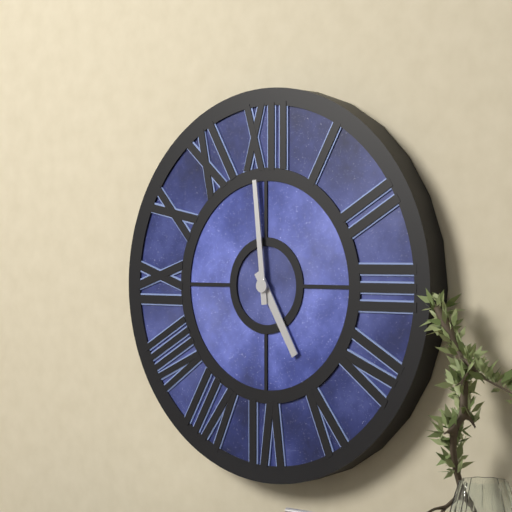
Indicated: 4,59
